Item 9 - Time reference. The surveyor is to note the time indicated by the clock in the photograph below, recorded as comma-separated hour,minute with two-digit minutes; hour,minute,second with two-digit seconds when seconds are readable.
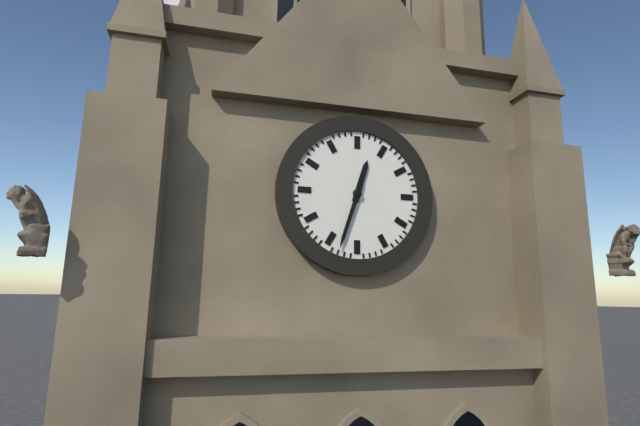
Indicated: 12,33
